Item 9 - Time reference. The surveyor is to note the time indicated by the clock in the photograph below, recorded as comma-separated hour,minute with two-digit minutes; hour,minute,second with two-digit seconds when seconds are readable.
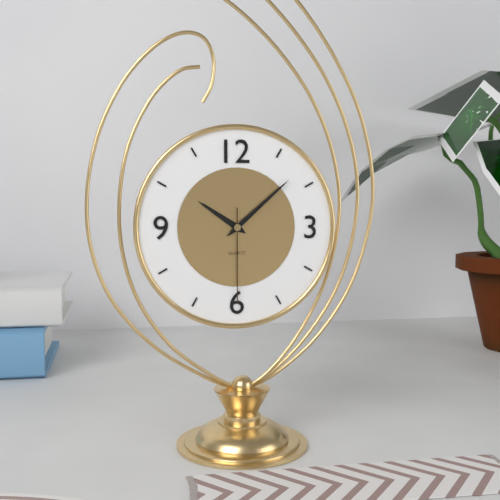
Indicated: 10,08,30
